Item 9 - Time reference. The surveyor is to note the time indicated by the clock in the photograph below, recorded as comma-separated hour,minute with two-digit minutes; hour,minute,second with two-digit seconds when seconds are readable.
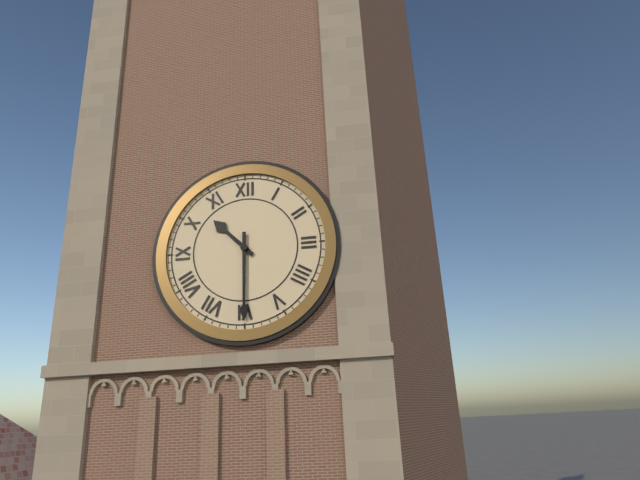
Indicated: 10,30
